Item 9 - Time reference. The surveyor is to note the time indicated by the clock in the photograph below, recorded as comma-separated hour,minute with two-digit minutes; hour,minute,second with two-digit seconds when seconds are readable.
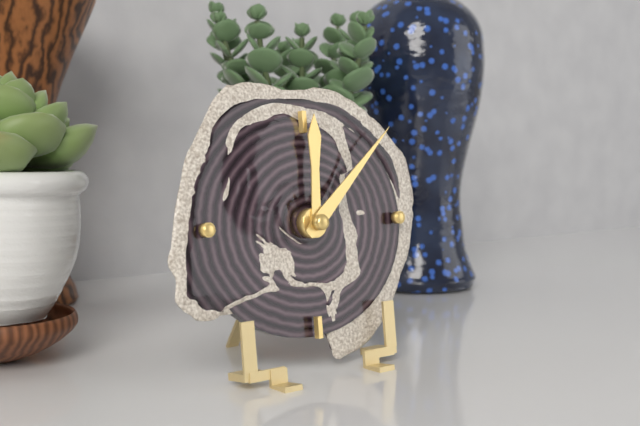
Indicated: 12,08
